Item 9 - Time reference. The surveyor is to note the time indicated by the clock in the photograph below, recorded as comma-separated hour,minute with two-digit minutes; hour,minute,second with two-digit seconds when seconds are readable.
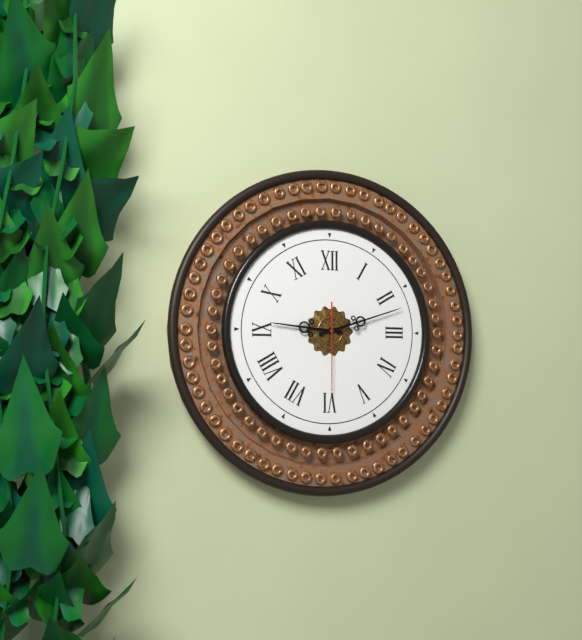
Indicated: 9,12,30
